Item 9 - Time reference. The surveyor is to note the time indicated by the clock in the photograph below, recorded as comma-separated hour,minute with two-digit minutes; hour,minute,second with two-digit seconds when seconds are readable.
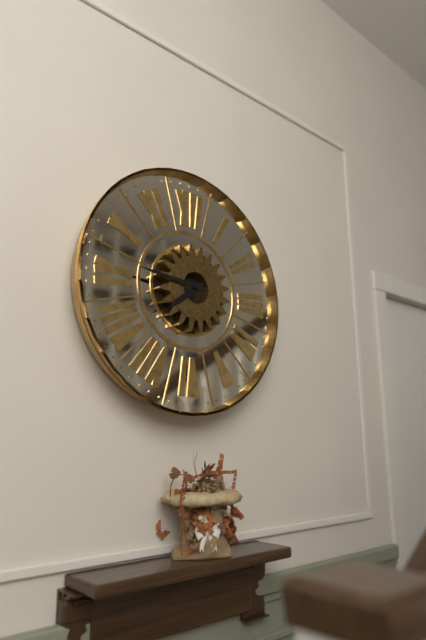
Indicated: 7,46
